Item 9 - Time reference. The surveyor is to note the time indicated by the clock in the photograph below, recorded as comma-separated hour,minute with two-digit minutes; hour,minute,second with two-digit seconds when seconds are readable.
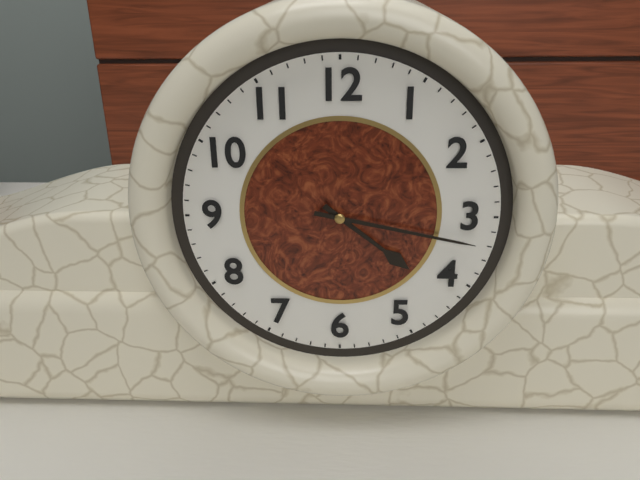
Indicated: 4,17
